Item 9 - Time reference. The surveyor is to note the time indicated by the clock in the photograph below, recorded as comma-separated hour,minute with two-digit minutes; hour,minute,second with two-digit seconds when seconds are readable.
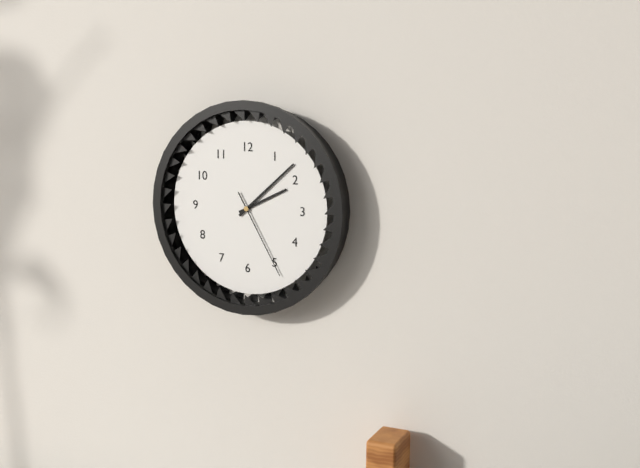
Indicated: 2,08,25
